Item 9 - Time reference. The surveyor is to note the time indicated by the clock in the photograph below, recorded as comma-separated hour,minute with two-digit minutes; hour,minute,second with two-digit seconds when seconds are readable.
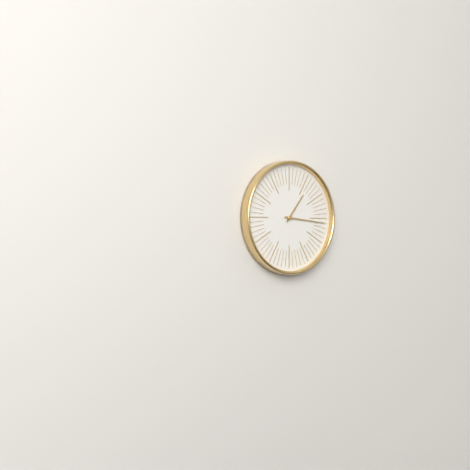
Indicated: 1,16
